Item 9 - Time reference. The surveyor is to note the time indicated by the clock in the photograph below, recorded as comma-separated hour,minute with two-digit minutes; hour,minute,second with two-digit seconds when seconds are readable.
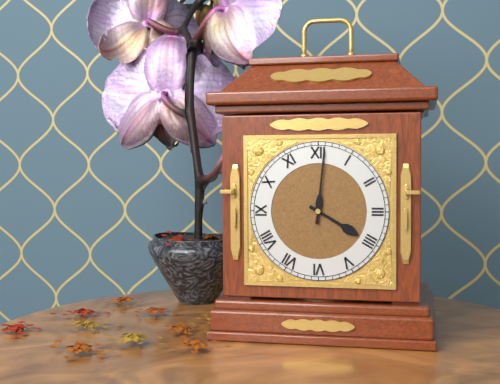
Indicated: 4,01
